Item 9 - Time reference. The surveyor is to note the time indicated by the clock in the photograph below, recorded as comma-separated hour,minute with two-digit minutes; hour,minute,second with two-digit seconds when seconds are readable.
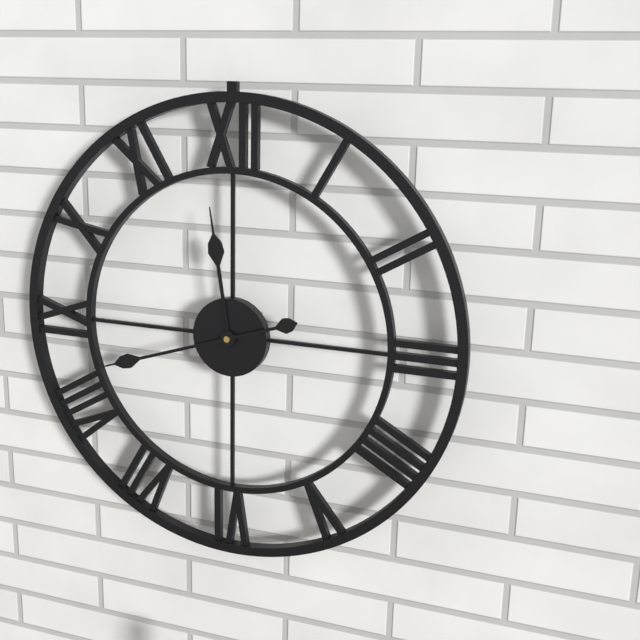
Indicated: 11,42
